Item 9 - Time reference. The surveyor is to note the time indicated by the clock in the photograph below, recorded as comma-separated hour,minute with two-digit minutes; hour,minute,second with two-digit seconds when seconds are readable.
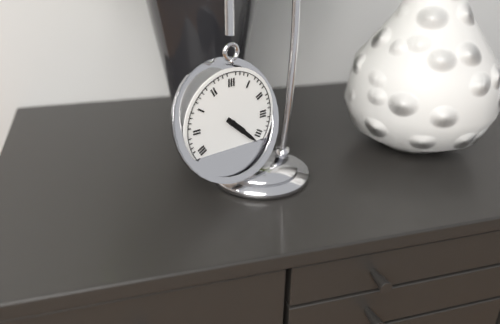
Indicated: 4,22
